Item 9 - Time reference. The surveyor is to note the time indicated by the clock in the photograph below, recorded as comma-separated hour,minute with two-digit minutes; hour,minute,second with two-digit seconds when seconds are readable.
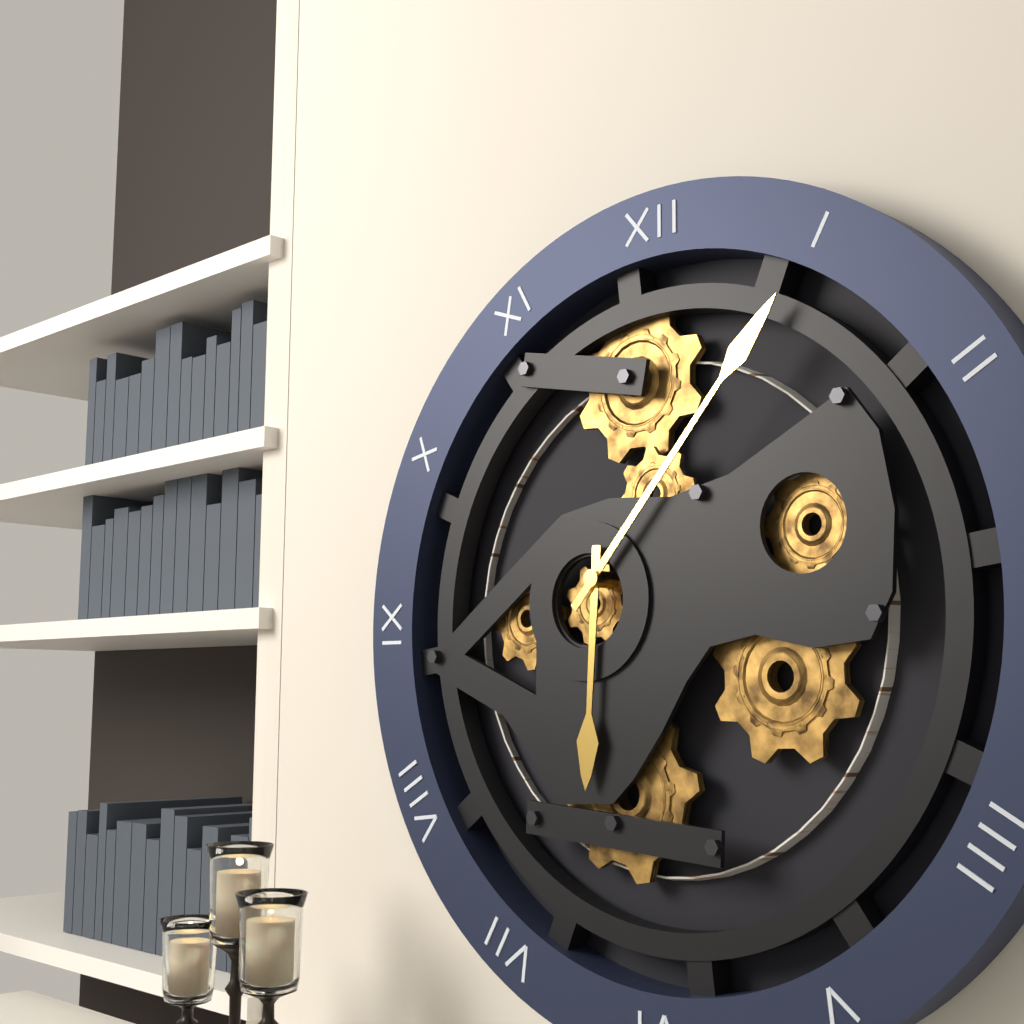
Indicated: 6,07
